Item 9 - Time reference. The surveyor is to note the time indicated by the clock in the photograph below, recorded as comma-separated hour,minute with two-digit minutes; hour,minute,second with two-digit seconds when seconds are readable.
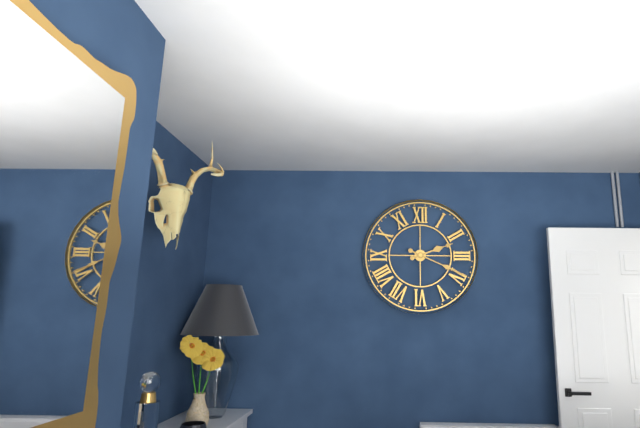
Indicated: 2,19
